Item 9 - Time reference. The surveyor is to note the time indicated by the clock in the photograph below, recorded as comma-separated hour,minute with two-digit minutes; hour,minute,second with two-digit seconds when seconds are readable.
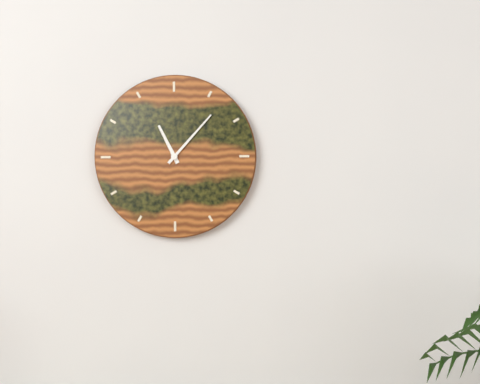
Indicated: 11,07
